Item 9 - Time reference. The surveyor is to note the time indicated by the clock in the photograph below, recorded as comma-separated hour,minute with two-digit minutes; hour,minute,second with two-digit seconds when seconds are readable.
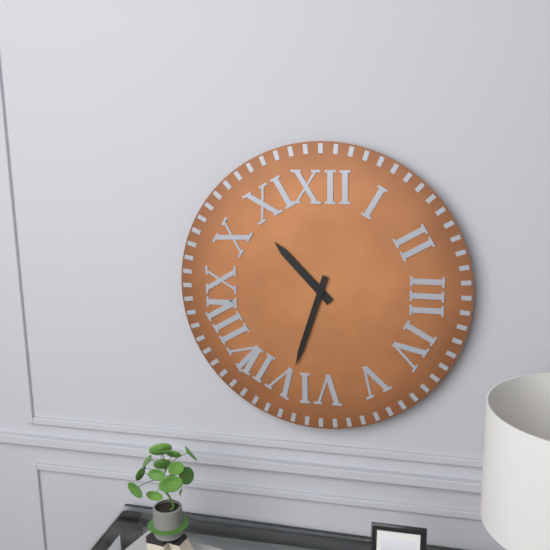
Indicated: 10,33
